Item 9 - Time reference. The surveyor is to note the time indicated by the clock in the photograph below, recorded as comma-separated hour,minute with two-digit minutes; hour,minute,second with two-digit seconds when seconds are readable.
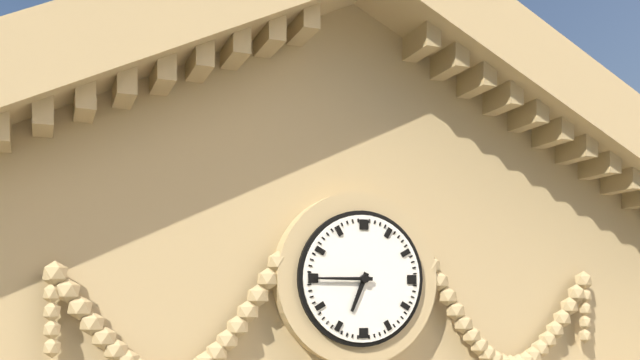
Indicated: 6,45
